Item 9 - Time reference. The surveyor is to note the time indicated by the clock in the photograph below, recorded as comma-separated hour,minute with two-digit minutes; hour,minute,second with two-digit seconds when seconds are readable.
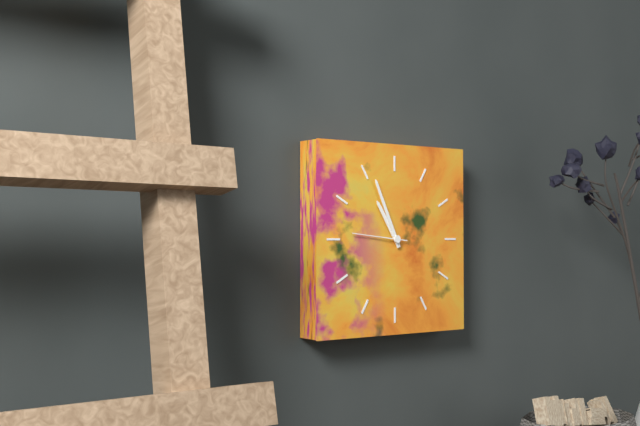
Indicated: 10,56,46
